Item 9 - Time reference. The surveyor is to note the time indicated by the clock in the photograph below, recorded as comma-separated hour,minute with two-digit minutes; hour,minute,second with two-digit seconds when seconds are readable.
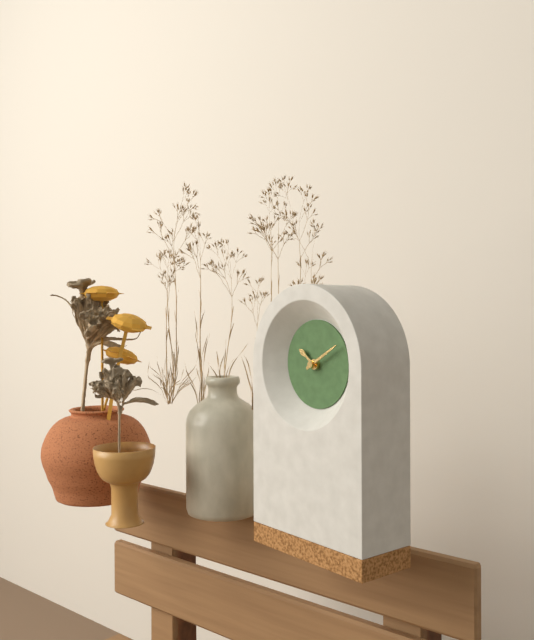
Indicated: 10,10
